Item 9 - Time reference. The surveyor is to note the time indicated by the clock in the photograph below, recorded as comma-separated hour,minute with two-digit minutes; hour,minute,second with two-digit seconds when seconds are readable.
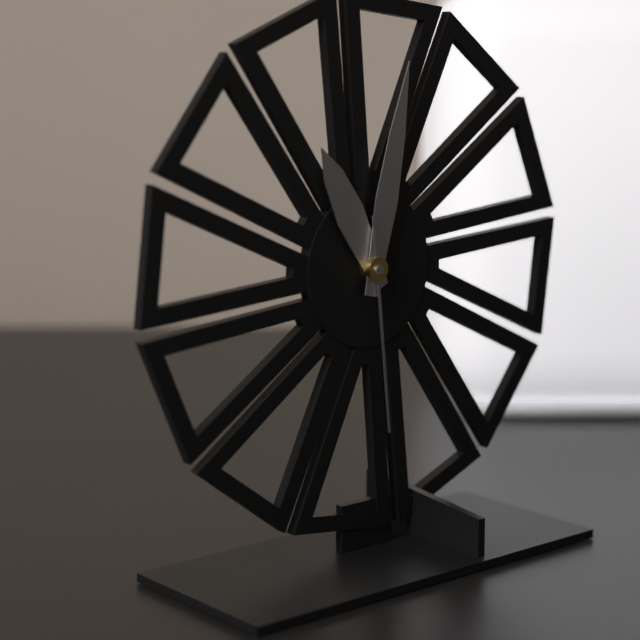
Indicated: 11,02,29
